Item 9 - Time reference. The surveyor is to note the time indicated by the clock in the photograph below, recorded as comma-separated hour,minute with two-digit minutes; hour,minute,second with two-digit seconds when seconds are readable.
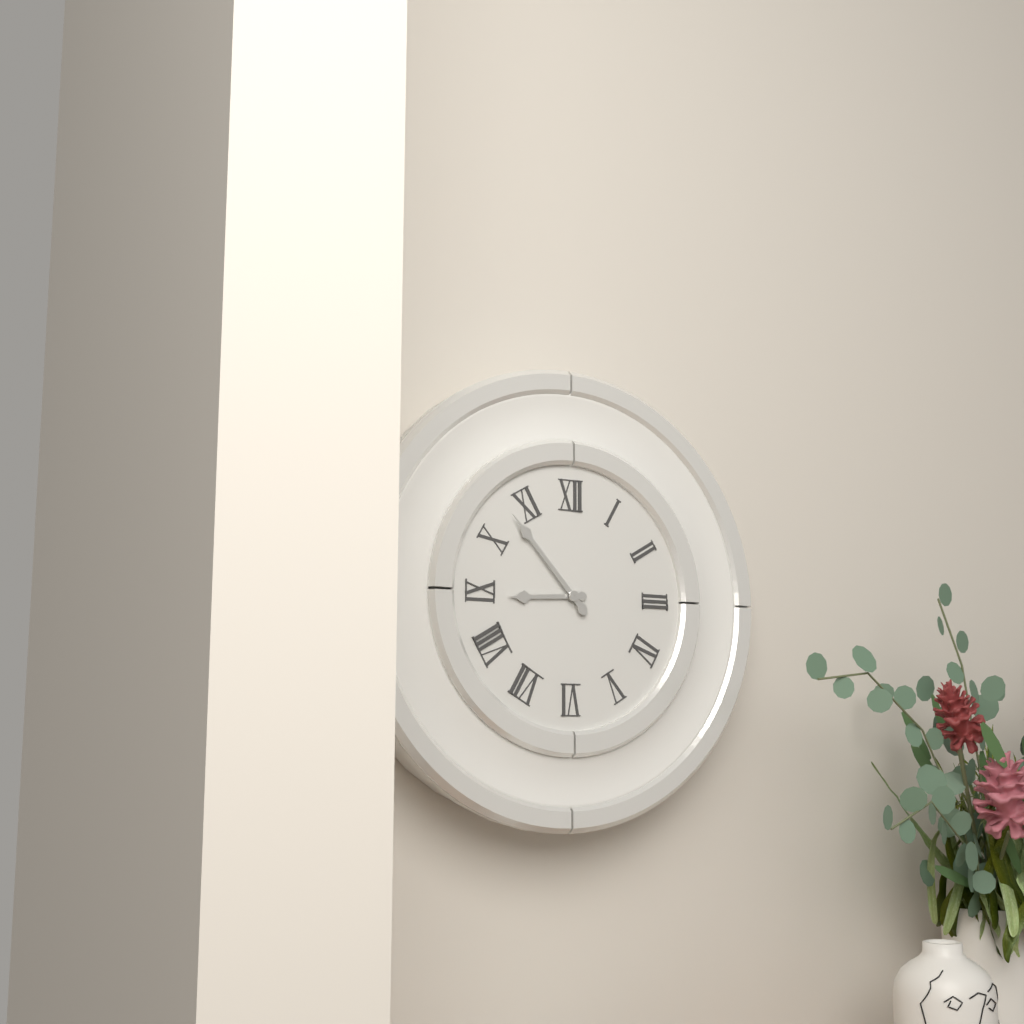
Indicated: 8,53
